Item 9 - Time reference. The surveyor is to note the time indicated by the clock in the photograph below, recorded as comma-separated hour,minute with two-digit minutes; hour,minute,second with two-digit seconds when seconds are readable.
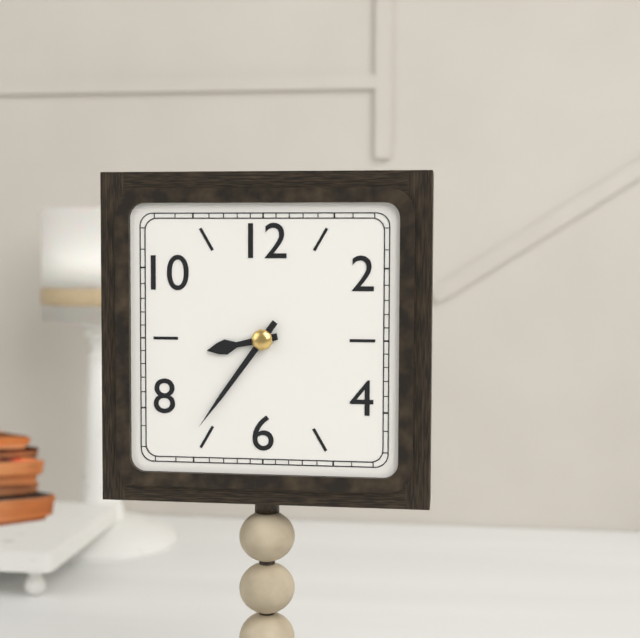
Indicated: 8,36
